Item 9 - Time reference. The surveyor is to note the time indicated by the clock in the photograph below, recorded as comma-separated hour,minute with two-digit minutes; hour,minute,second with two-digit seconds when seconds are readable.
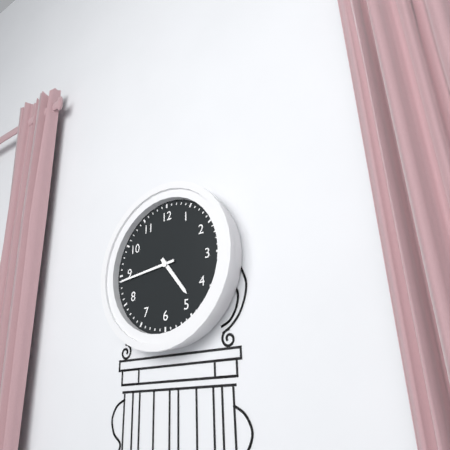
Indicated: 4,44
